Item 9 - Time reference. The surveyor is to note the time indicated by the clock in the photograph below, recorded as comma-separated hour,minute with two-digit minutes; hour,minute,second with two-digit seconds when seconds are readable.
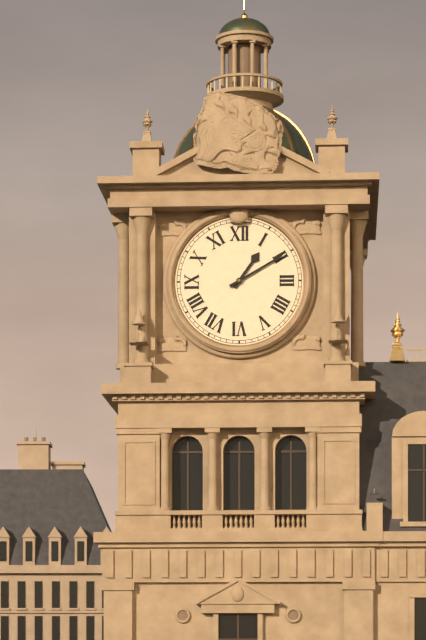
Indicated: 1,10
